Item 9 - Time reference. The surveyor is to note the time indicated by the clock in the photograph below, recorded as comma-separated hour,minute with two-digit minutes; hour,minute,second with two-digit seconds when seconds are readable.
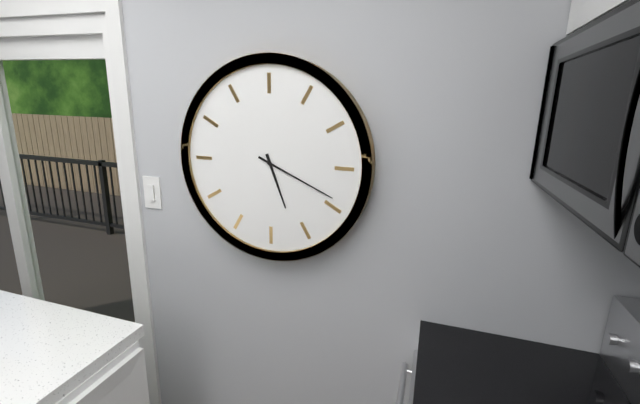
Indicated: 5,19
